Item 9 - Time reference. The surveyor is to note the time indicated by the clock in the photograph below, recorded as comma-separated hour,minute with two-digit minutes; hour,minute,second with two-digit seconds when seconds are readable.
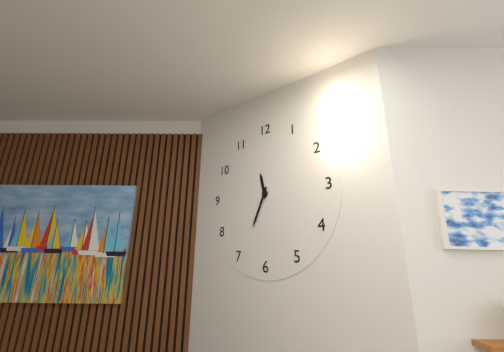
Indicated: 11,34
